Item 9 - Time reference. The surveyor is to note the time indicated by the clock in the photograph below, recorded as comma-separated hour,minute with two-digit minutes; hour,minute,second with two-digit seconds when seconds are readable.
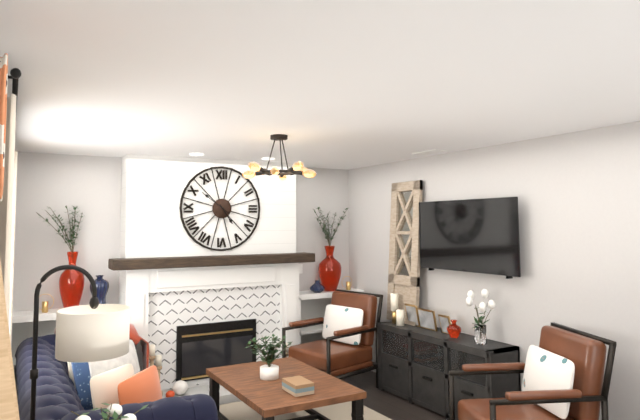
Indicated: 4,51
